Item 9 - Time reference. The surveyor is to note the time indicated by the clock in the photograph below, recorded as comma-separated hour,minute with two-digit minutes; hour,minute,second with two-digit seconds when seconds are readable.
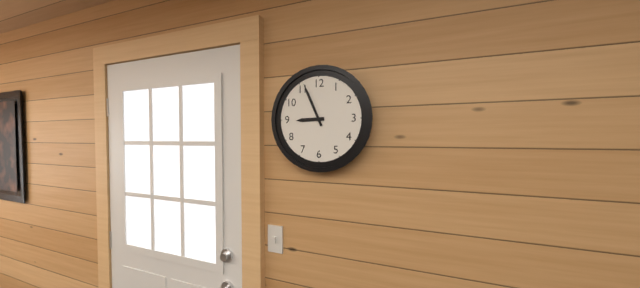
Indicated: 8,56
